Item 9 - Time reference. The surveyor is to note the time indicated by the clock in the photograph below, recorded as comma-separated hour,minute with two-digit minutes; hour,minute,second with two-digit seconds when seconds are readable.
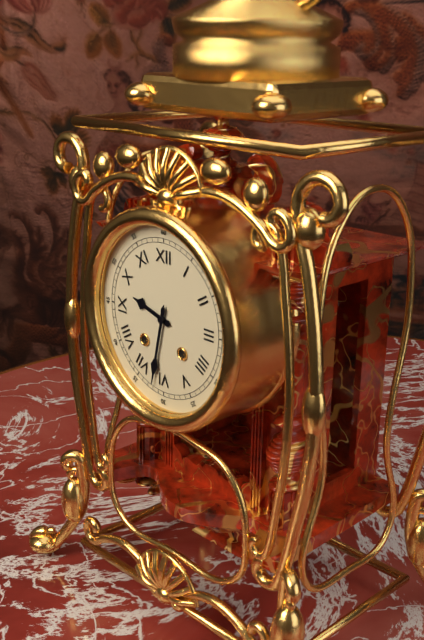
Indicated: 9,32
